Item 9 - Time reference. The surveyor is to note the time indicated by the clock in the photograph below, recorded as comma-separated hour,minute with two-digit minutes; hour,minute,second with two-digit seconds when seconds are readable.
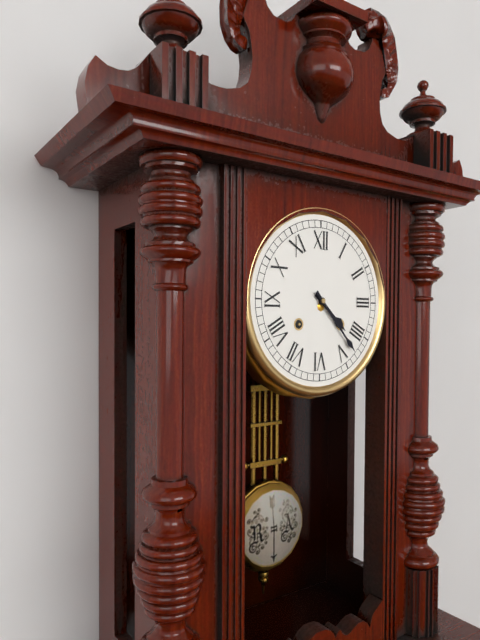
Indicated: 4,23
